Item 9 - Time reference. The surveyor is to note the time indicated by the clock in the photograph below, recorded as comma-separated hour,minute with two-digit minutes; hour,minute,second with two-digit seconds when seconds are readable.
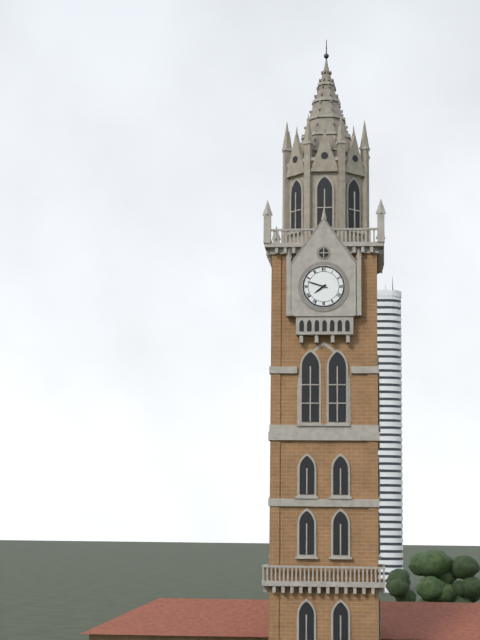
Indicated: 7,48
